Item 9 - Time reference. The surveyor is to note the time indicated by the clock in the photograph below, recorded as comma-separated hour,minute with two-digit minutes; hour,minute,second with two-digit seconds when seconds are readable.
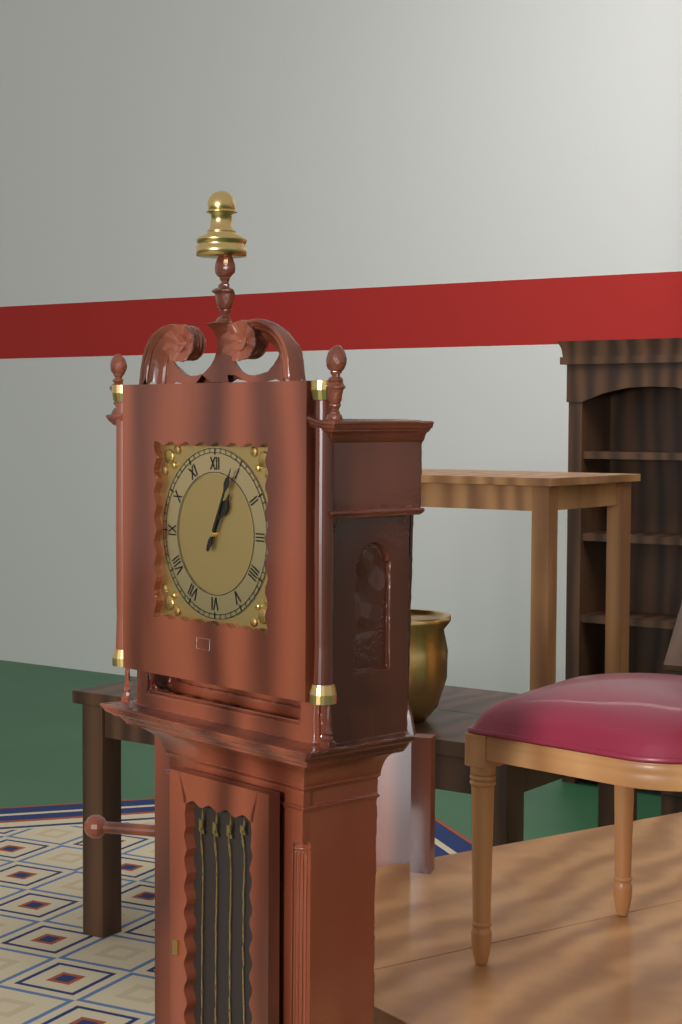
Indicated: 1,04
